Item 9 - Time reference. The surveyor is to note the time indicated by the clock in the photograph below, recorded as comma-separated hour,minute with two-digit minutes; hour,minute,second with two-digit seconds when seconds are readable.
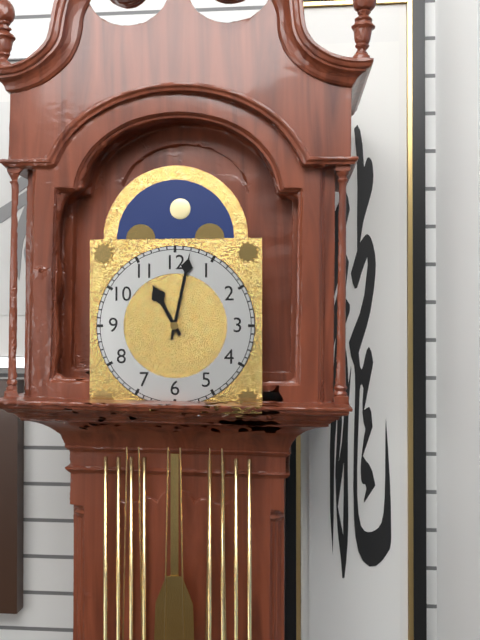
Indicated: 11,02
